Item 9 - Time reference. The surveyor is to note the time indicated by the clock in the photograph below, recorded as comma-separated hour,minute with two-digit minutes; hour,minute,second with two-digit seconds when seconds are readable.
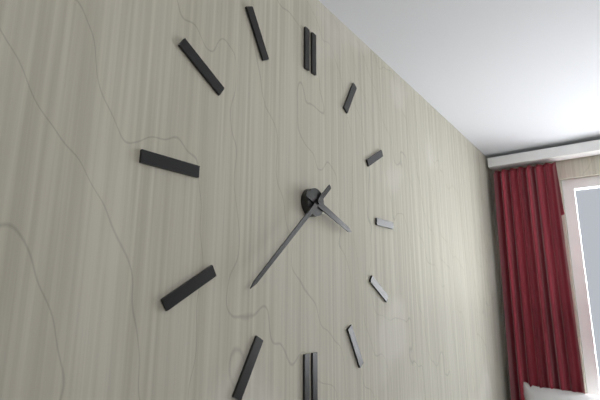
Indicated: 3,38
